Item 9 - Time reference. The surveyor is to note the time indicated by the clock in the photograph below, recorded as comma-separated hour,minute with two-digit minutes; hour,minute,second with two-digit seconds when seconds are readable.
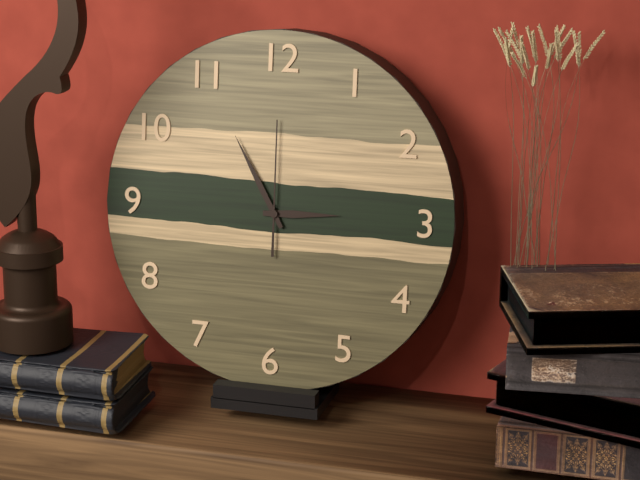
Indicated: 2,55,00
